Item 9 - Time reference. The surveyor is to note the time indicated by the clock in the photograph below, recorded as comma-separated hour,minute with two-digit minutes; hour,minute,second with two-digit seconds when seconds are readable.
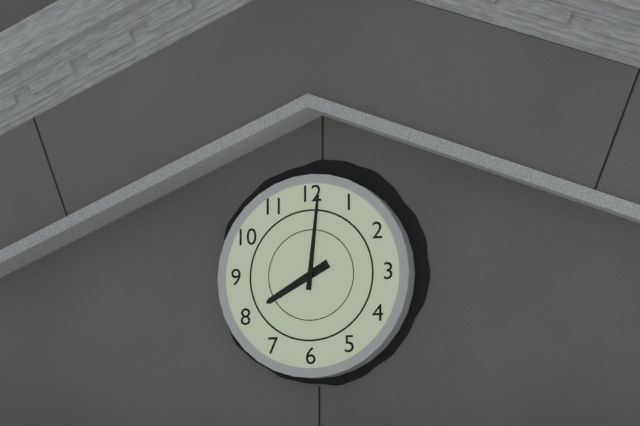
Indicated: 8,01
